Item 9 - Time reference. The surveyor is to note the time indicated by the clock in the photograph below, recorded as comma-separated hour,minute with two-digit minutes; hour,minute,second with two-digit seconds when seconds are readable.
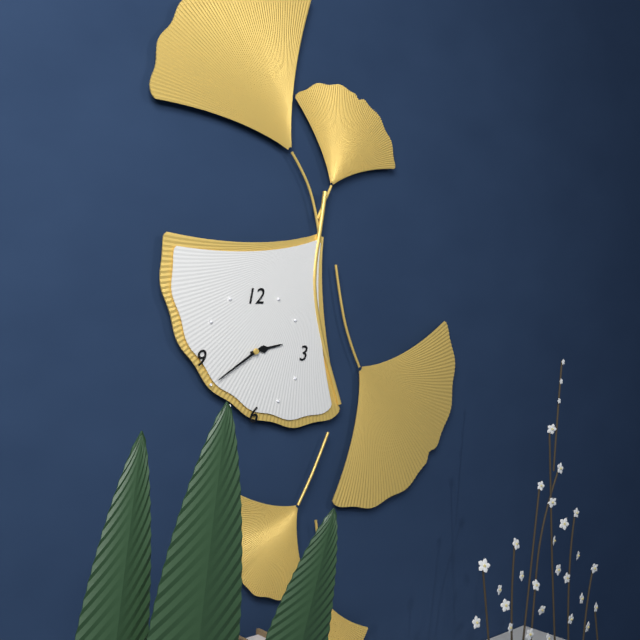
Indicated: 2,40
